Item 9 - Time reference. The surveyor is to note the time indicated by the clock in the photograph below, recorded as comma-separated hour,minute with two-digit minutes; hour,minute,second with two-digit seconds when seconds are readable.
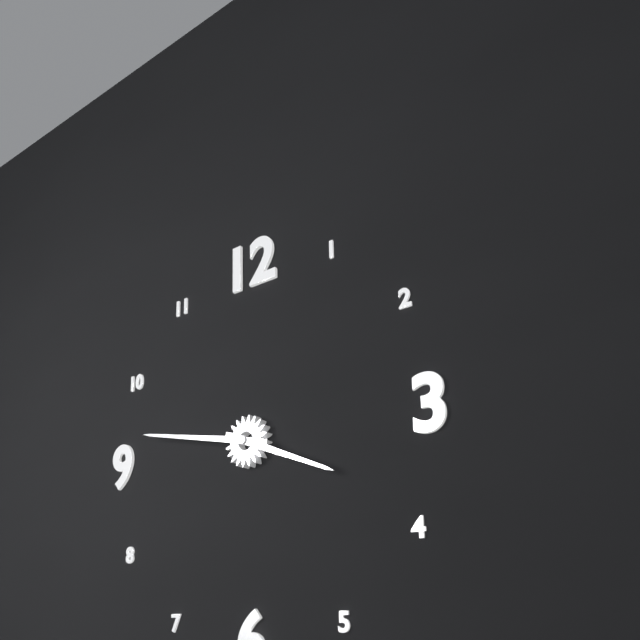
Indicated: 3,47
